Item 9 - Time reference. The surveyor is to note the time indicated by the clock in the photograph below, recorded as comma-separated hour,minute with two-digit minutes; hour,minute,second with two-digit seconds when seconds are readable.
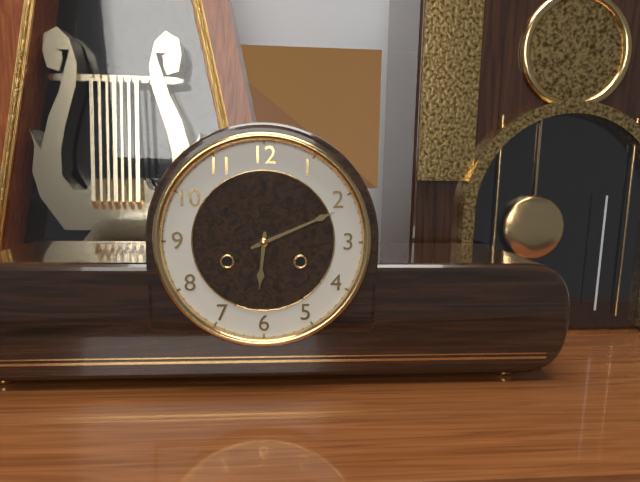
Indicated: 6,11
